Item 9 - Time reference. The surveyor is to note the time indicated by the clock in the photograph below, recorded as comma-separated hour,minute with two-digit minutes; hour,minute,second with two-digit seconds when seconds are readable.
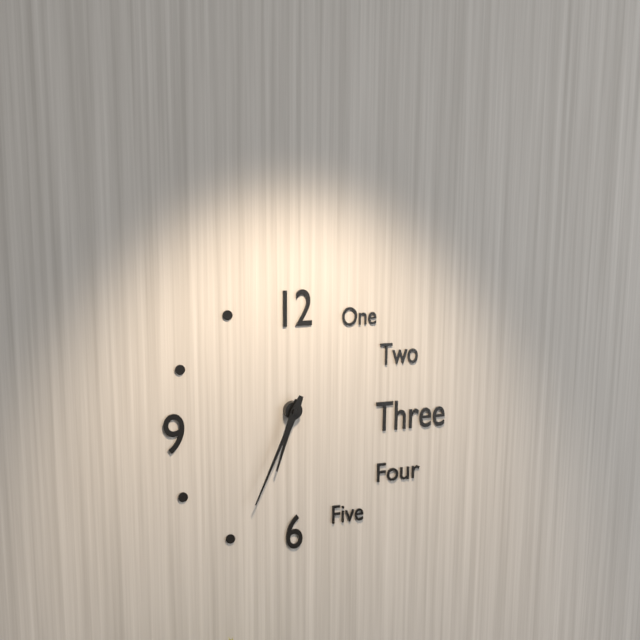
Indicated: 6,34
